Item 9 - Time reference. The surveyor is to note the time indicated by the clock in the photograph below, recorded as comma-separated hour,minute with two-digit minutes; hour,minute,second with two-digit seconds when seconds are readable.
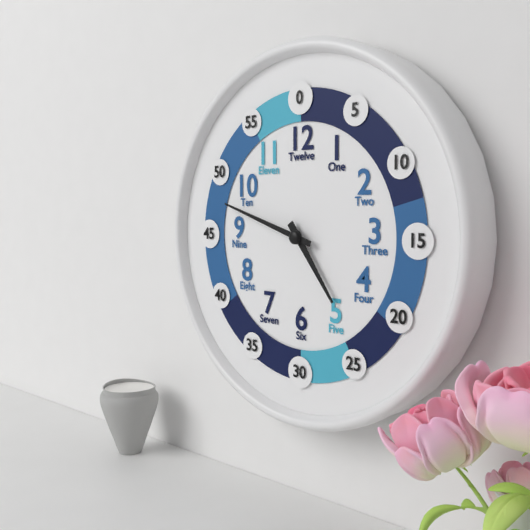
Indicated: 4,48
